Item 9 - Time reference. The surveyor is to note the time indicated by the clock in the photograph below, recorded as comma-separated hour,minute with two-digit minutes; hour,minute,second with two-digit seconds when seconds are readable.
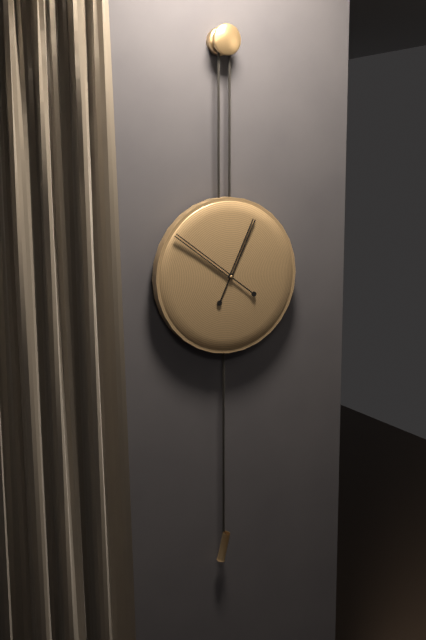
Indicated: 12,51
